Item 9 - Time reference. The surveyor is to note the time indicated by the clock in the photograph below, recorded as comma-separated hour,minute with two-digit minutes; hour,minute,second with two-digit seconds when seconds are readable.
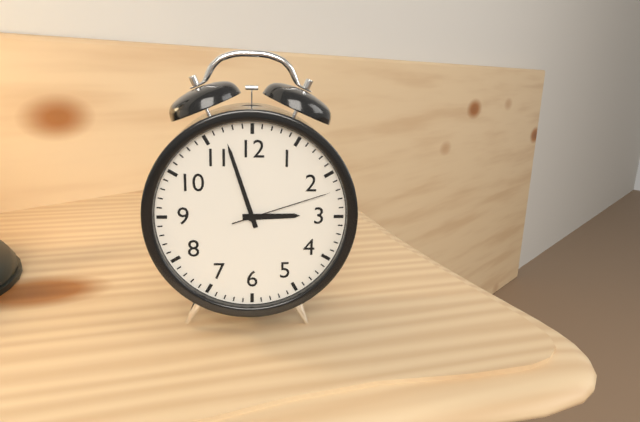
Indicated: 2,57,12
